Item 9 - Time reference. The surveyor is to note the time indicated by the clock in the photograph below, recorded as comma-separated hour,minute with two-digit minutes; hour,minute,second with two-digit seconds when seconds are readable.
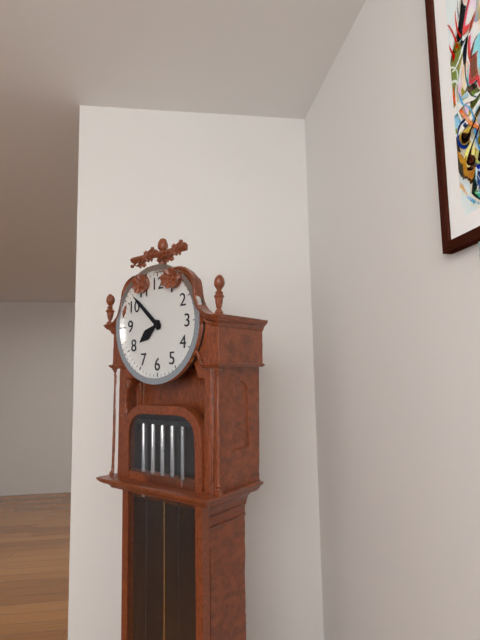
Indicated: 7,52
